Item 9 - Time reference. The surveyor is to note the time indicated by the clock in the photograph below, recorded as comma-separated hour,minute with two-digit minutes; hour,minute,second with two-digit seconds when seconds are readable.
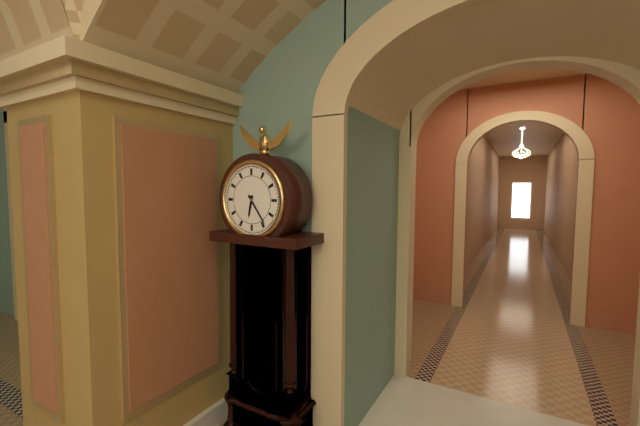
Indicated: 6,24
